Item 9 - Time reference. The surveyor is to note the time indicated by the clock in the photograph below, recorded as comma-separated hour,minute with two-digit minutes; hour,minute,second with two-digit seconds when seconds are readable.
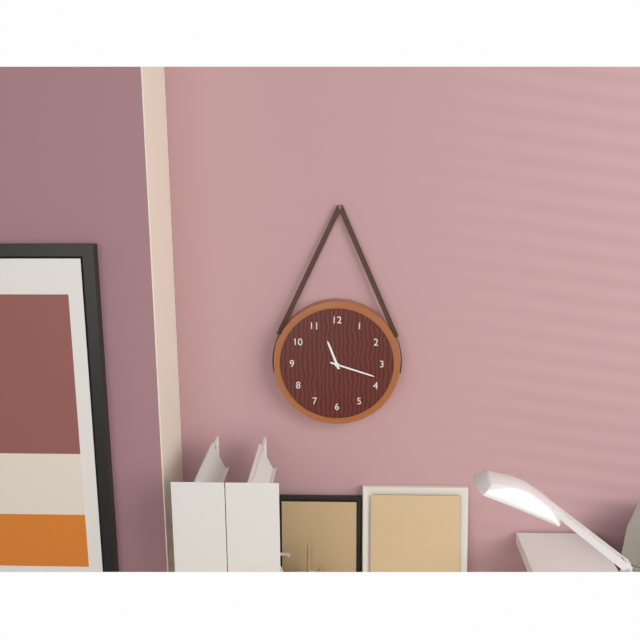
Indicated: 11,18
